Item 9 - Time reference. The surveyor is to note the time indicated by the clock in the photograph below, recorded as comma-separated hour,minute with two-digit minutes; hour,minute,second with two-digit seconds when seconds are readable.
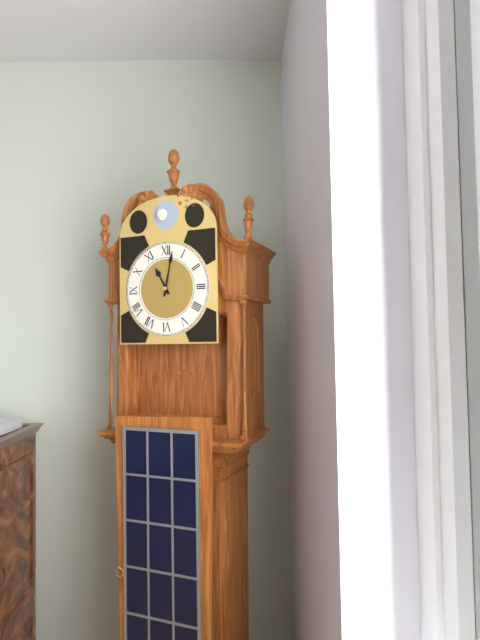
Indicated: 11,02
